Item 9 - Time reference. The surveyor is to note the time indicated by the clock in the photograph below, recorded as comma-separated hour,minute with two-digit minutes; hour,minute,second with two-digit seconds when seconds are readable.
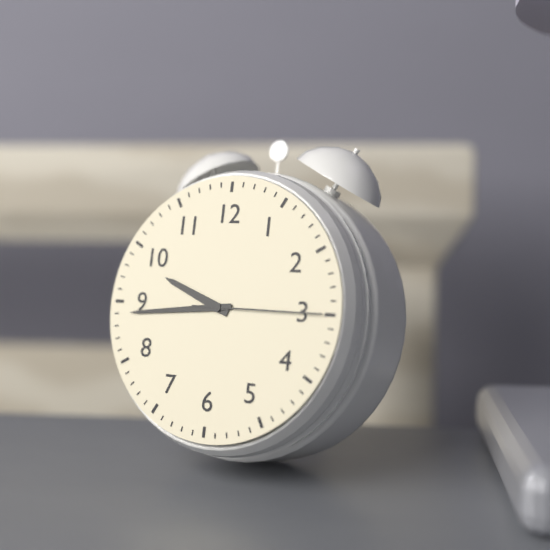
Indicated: 9,44,15
